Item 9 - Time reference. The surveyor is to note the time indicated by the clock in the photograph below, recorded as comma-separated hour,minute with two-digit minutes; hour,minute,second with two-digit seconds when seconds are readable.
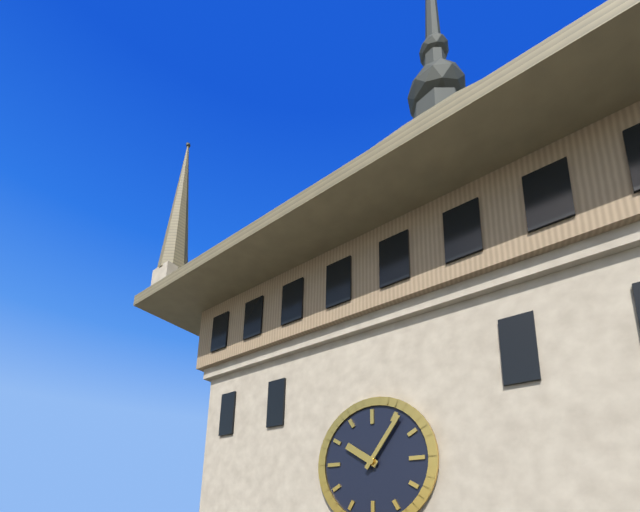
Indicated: 10,06
